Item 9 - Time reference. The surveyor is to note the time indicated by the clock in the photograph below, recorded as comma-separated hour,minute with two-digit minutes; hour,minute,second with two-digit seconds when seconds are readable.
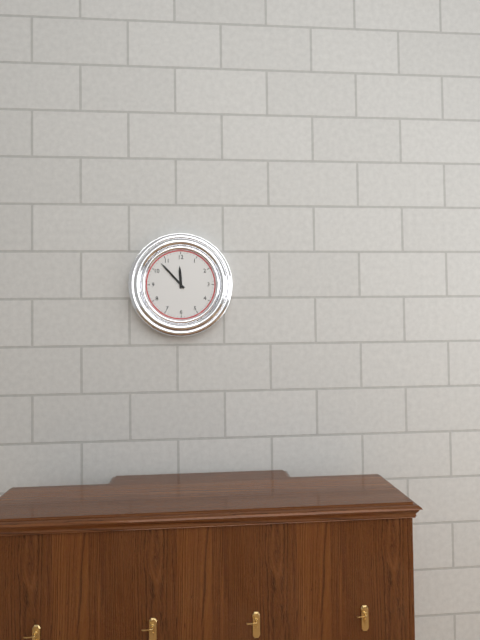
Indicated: 11,53
